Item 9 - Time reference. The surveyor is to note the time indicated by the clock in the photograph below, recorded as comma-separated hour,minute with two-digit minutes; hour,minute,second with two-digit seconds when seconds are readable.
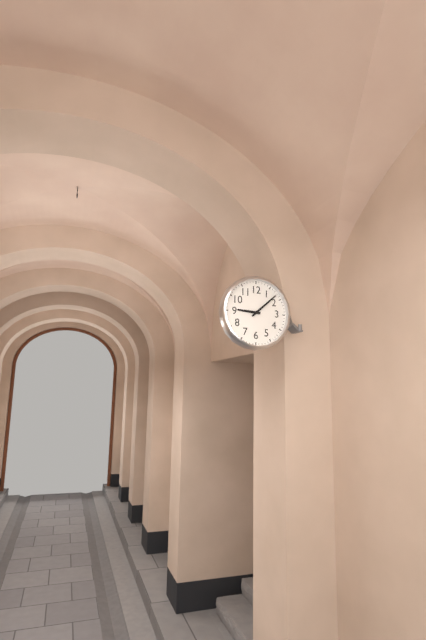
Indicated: 9,08
